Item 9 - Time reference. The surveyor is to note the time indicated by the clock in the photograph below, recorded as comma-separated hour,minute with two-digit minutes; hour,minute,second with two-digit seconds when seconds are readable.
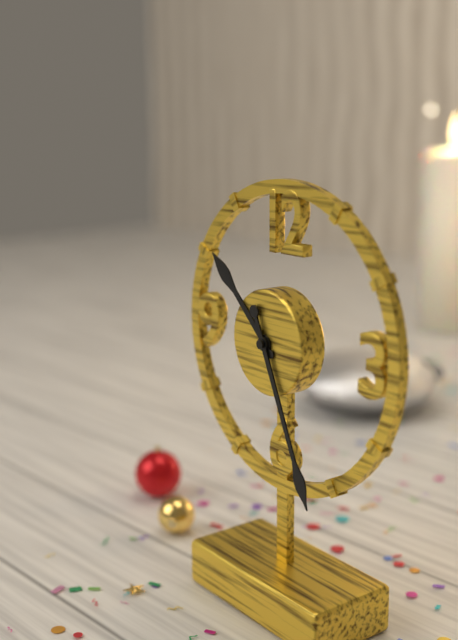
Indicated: 10,26
